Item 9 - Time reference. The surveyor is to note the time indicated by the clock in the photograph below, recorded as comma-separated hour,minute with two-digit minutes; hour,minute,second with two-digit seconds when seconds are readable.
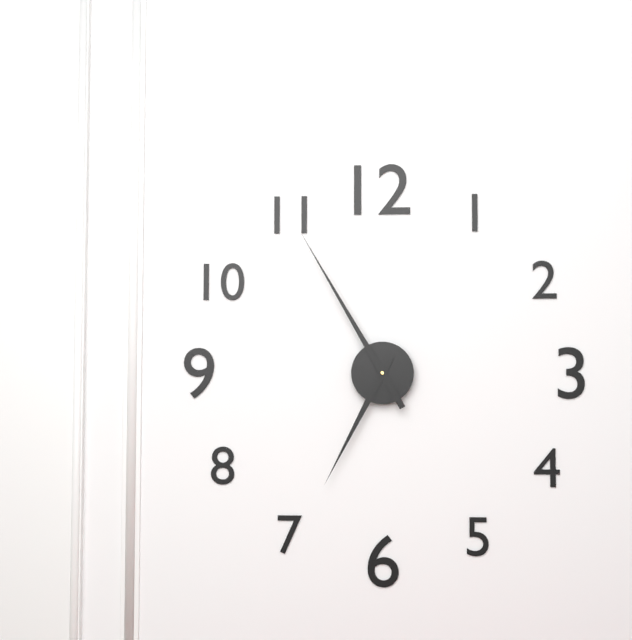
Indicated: 6,55
